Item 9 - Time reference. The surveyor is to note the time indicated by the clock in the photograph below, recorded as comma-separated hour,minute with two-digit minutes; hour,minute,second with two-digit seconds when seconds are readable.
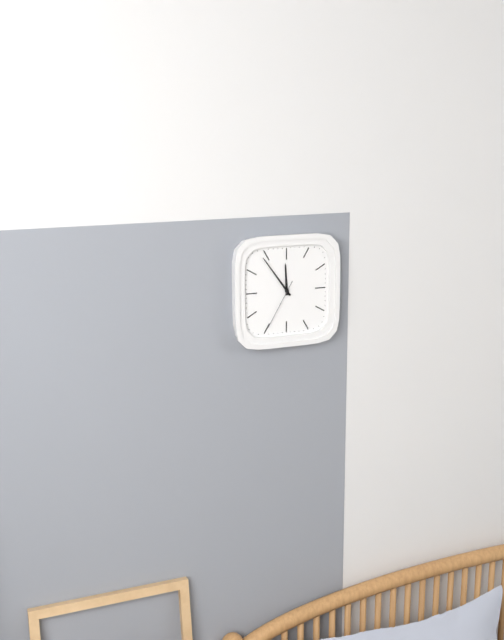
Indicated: 11,54,35
